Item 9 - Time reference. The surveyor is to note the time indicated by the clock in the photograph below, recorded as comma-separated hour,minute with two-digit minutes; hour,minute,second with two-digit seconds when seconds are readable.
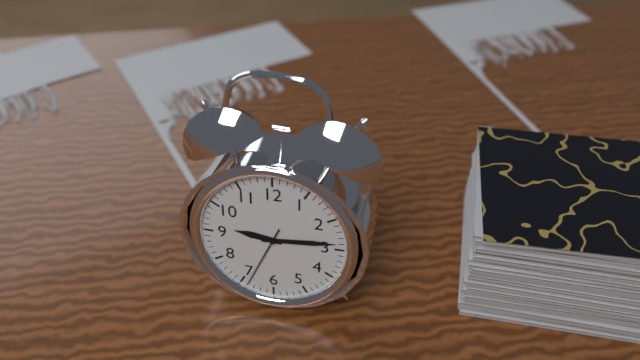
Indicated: 9,14,34
